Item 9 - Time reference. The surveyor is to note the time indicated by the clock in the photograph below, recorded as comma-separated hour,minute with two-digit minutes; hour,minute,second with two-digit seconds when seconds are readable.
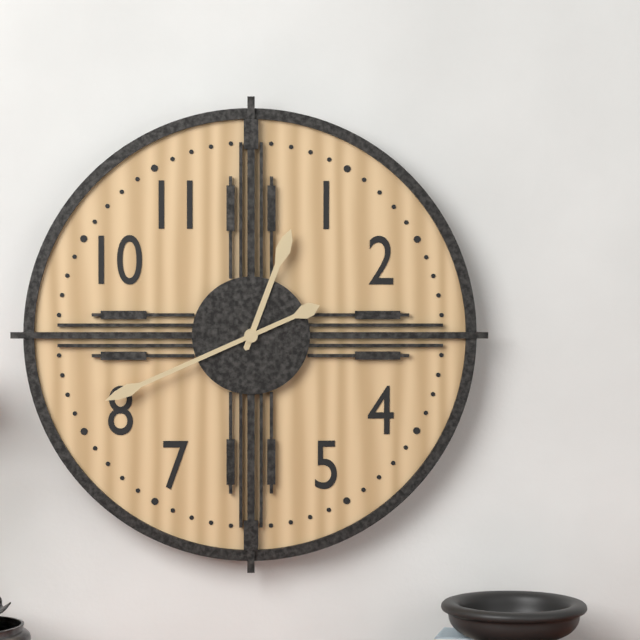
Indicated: 12,41
